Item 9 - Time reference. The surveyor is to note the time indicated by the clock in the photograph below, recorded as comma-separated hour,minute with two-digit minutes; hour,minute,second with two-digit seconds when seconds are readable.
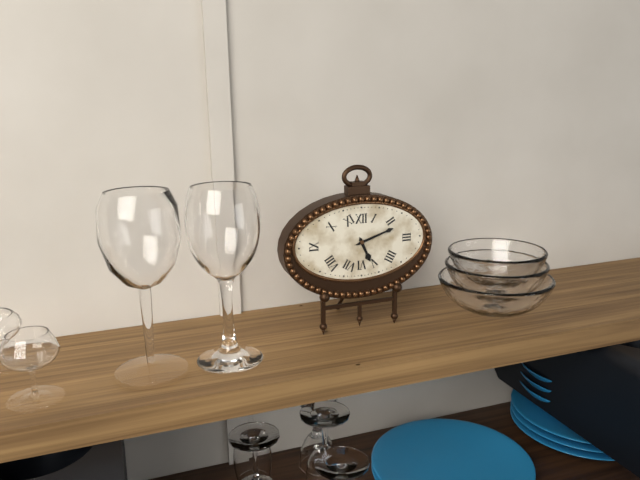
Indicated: 5,12
